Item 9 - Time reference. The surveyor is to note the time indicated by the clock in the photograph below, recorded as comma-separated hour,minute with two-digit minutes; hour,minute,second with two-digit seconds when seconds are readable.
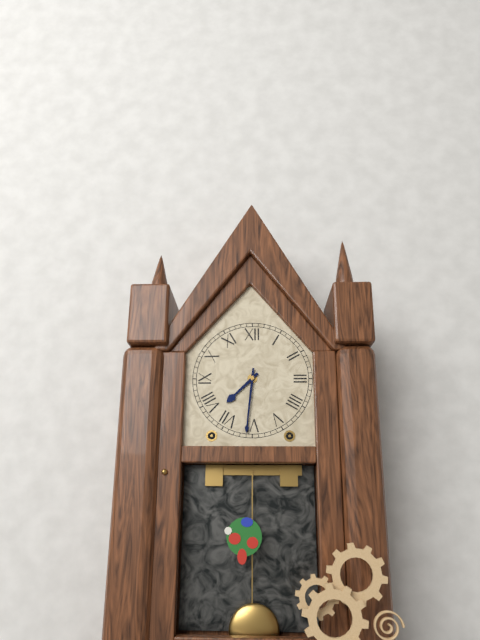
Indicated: 7,31
